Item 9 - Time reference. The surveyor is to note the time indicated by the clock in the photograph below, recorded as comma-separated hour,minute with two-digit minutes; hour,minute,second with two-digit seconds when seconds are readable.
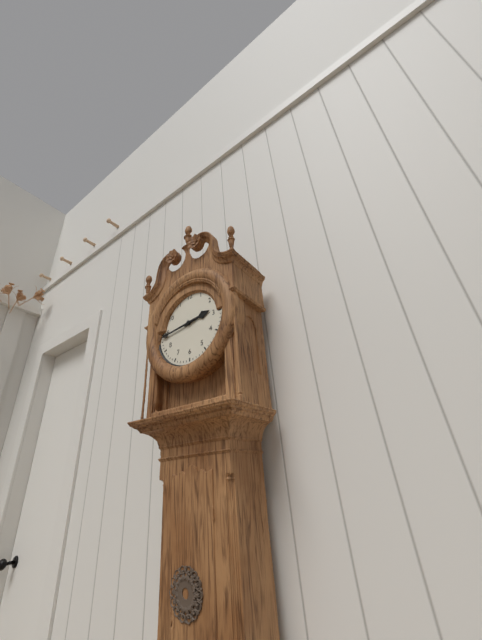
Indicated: 2,44
